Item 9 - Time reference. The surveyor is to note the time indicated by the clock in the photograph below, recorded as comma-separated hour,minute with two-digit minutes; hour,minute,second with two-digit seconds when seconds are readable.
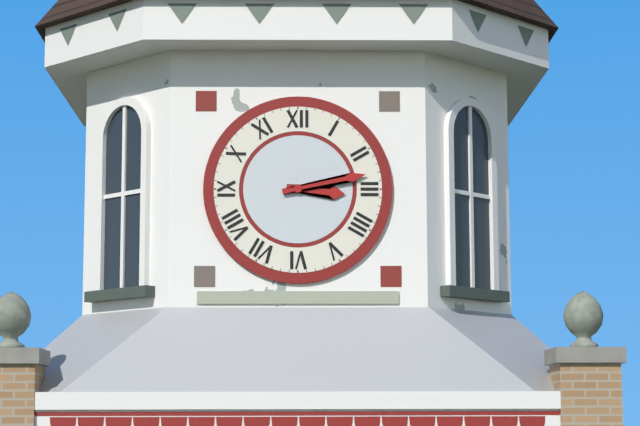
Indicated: 3,13
